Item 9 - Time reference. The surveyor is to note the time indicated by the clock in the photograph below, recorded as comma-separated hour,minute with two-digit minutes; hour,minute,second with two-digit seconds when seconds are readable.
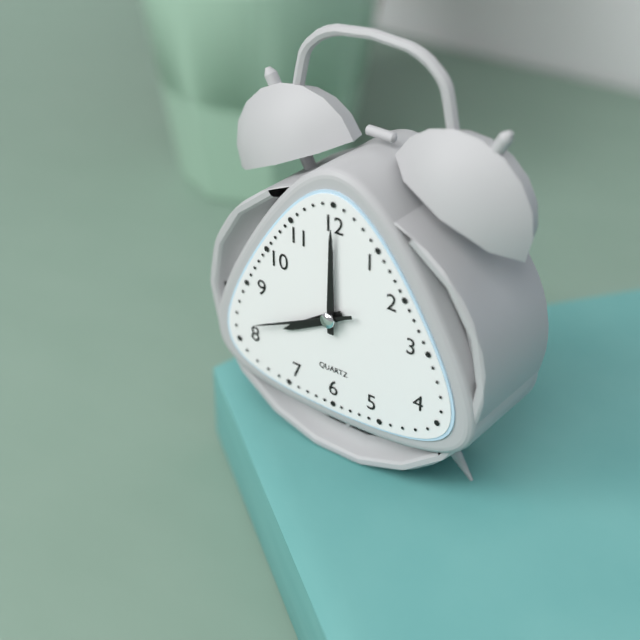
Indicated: 8,00,41
